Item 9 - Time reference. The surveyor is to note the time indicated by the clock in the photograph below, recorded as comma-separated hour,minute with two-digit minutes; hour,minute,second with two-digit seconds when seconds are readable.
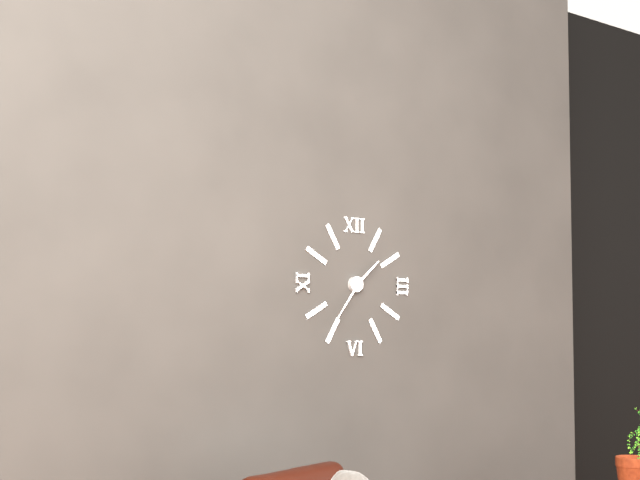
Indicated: 1,36
